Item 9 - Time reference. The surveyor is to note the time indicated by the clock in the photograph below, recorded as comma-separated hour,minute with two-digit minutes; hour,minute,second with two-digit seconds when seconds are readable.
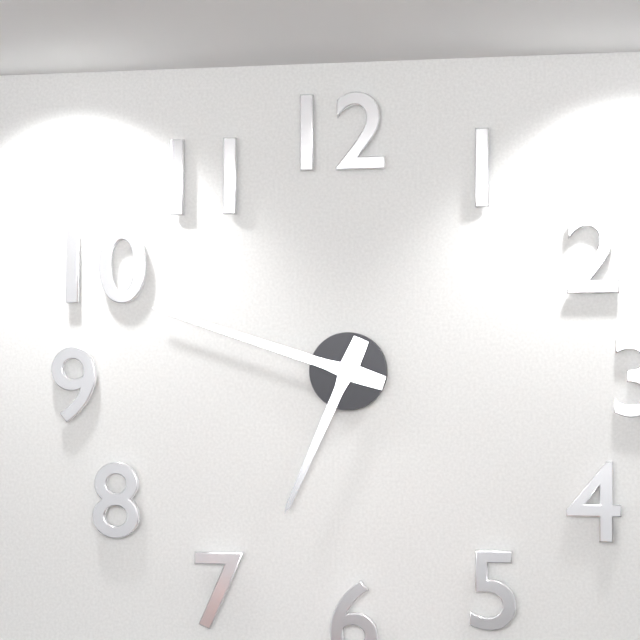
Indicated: 6,48
